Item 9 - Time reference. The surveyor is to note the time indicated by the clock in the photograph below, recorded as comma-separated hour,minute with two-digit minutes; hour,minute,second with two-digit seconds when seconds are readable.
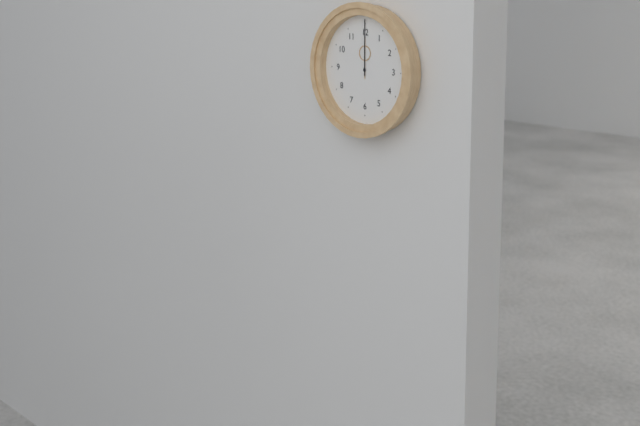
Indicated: 12,00
